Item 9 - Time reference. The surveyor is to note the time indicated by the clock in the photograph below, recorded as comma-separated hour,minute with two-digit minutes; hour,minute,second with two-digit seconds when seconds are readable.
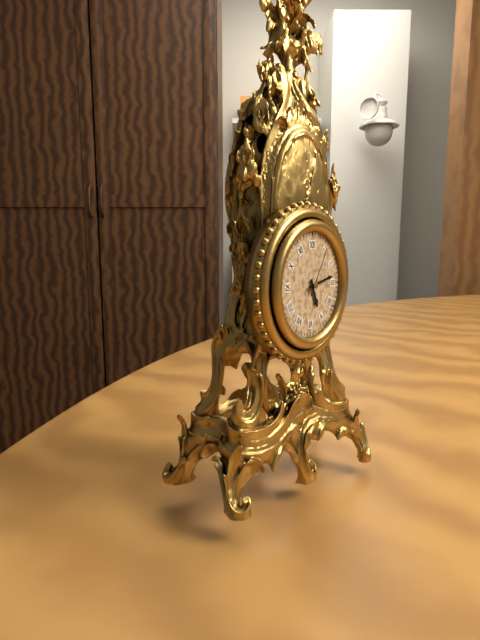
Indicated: 5,13
